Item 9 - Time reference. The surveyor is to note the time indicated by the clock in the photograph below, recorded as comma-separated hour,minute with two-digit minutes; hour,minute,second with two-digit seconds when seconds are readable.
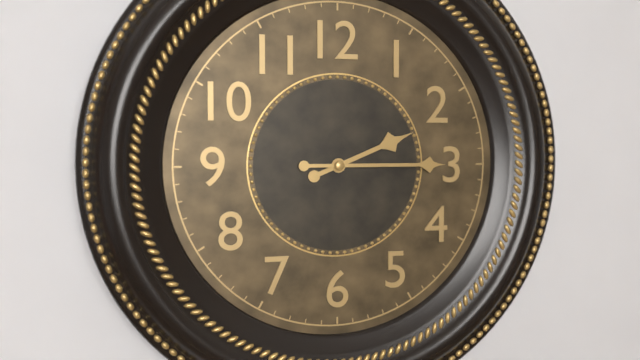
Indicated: 2,15
